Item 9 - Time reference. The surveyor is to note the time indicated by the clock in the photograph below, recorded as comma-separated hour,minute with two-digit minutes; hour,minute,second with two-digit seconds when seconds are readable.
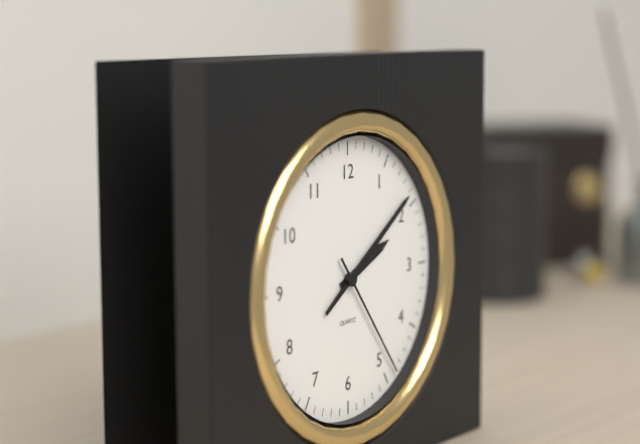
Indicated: 2,09,24
